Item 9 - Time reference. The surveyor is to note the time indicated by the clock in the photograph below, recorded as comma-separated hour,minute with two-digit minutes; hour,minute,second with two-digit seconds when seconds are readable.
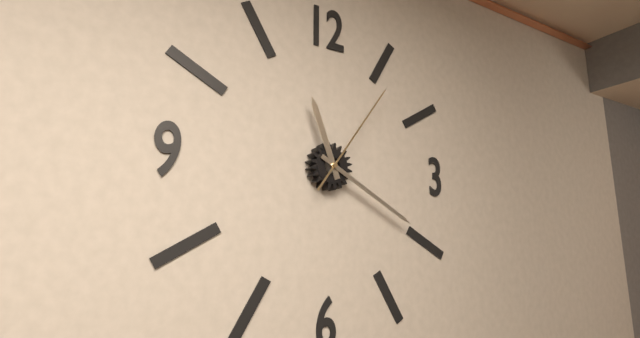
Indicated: 11,20,06
